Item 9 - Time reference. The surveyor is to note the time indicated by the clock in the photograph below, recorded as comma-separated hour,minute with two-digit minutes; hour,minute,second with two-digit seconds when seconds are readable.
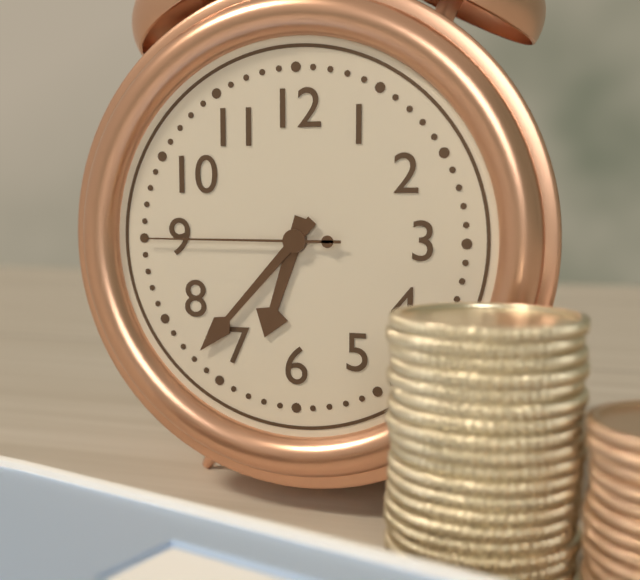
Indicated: 6,37,45
